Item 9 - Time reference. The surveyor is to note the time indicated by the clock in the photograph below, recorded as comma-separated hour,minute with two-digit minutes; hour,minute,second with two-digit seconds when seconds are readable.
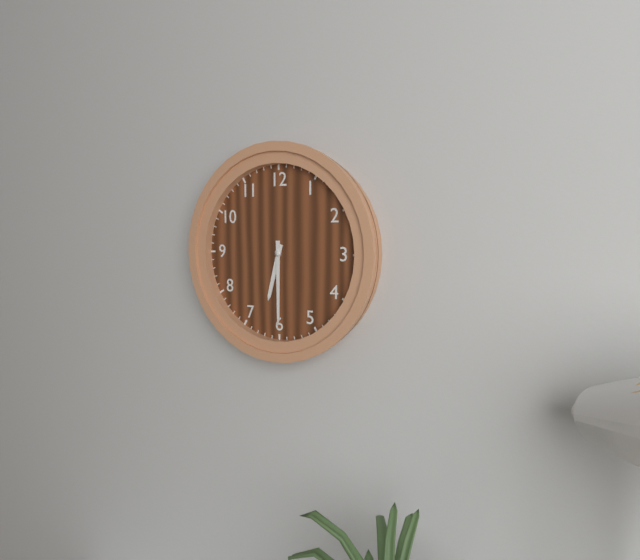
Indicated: 6,30
